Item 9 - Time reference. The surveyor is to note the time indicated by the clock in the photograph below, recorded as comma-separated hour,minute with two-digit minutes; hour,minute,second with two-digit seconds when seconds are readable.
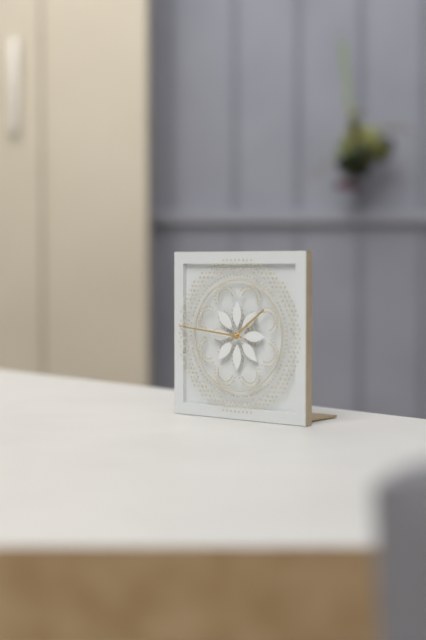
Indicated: 1,46
